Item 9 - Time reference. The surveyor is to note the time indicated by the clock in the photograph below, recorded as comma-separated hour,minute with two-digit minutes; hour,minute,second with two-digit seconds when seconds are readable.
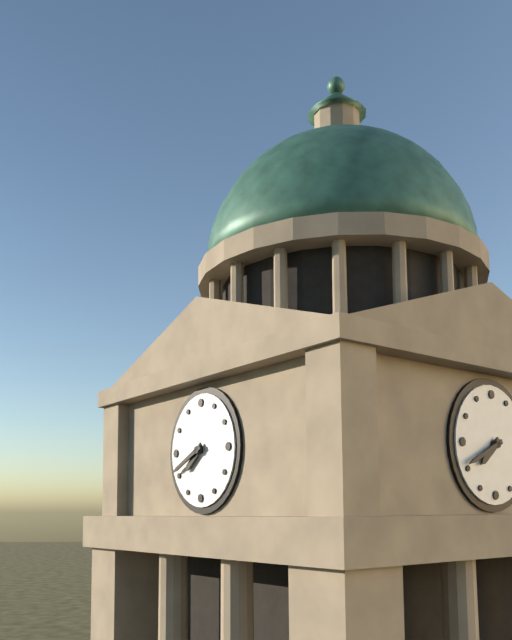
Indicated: 7,41
